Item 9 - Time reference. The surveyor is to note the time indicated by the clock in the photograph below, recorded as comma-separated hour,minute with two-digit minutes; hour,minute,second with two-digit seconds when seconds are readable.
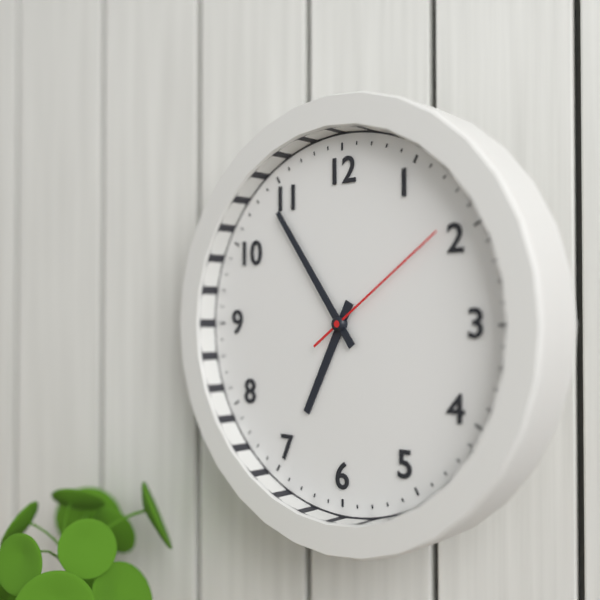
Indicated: 6,54,09
